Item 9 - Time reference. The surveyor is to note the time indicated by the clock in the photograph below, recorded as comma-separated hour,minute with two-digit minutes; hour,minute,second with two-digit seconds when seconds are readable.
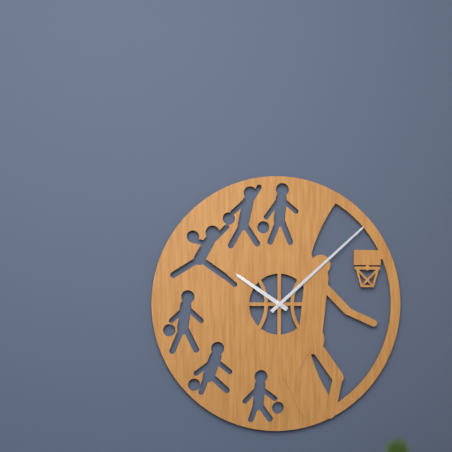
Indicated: 10,08
